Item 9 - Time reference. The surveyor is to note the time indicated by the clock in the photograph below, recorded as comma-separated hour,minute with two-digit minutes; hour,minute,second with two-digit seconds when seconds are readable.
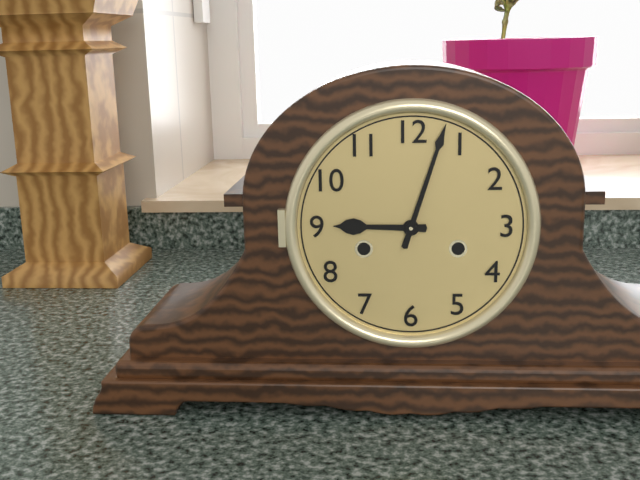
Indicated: 9,03
